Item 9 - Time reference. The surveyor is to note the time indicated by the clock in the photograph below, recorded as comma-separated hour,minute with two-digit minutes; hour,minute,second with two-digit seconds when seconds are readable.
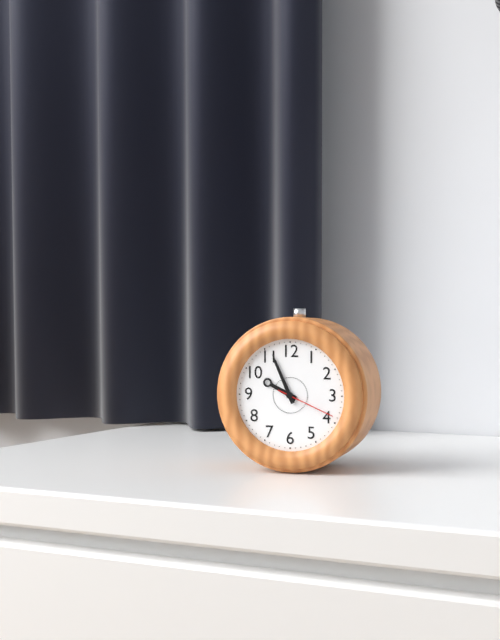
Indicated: 9,56
